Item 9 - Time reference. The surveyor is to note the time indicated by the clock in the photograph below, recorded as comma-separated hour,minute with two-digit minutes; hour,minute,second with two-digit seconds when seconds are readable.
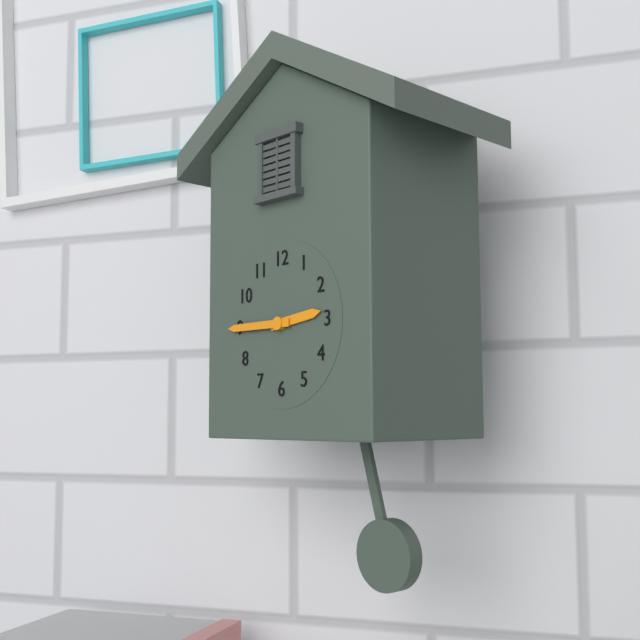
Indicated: 2,45
